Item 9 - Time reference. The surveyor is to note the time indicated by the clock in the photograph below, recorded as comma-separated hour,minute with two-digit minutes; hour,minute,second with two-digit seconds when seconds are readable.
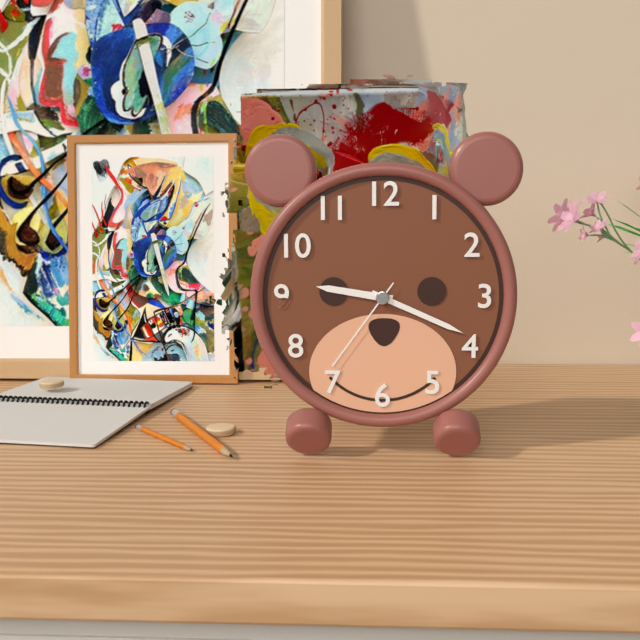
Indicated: 9,19,36
